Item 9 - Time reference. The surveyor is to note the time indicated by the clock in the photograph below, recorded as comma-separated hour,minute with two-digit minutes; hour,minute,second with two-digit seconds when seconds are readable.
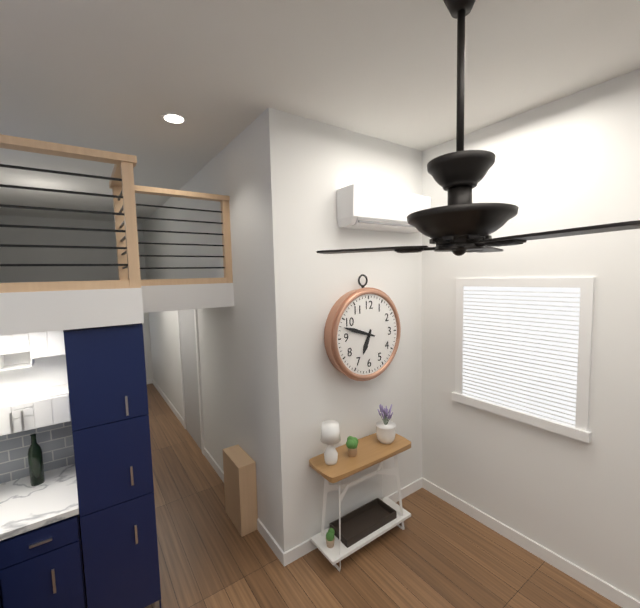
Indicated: 6,48
